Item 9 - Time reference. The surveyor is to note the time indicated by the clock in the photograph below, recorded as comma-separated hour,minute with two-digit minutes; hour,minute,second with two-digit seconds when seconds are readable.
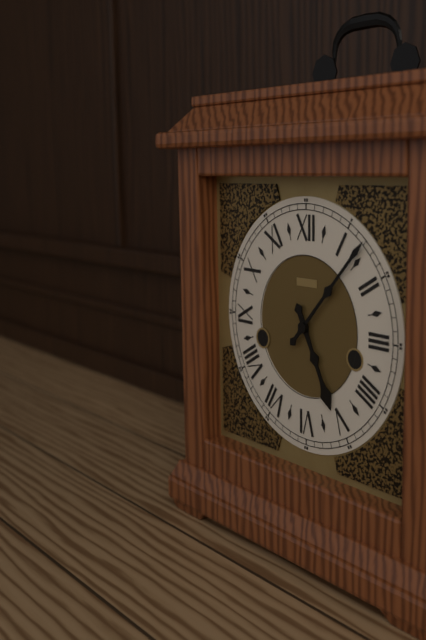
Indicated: 5,07
